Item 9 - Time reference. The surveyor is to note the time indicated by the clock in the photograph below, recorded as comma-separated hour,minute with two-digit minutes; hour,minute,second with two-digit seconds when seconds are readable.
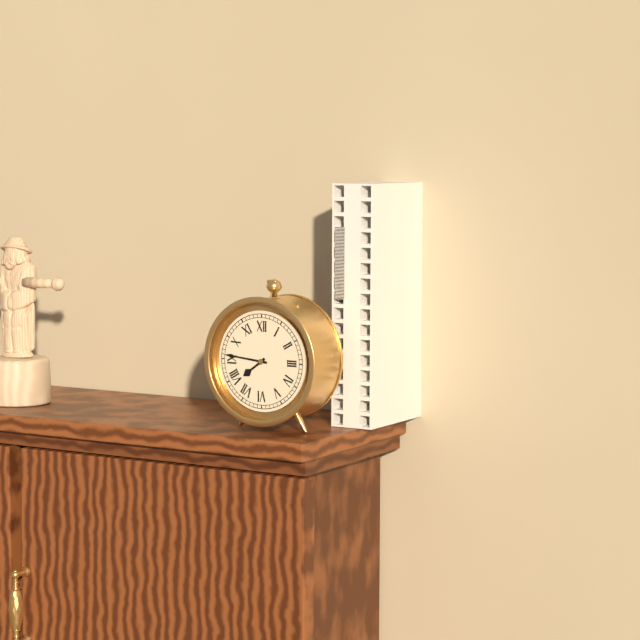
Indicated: 7,46
